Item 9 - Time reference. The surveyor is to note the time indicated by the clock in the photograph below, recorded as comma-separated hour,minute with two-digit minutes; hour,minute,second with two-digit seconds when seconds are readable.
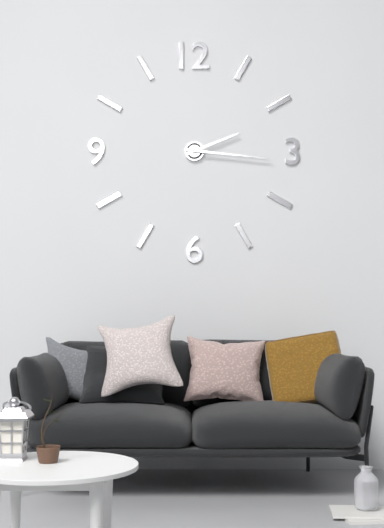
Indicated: 2,16
